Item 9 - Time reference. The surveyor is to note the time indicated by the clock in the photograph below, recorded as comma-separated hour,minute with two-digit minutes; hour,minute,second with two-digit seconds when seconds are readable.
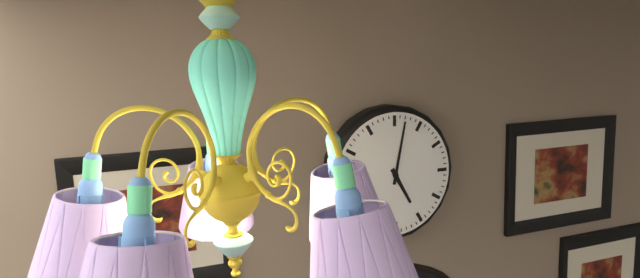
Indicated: 5,02
